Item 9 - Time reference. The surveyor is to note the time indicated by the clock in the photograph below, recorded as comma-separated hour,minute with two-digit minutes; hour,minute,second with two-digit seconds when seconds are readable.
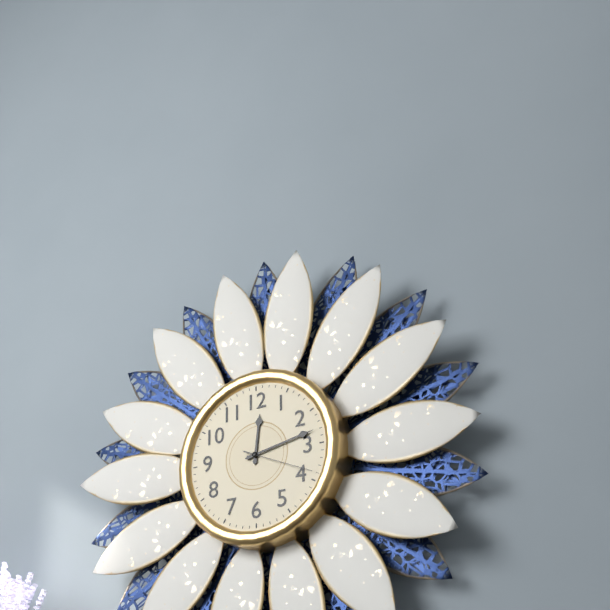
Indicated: 12,13,19
